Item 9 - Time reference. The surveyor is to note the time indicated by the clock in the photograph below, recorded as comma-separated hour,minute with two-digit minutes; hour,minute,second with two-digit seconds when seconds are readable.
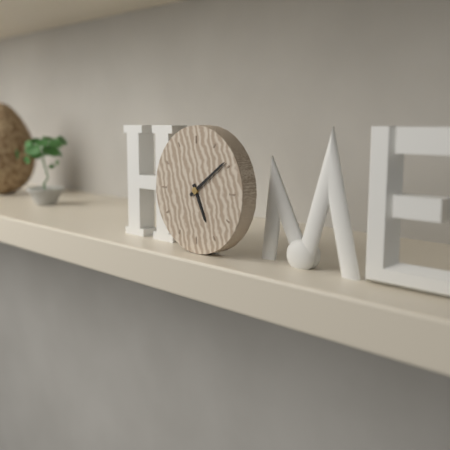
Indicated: 5,09
